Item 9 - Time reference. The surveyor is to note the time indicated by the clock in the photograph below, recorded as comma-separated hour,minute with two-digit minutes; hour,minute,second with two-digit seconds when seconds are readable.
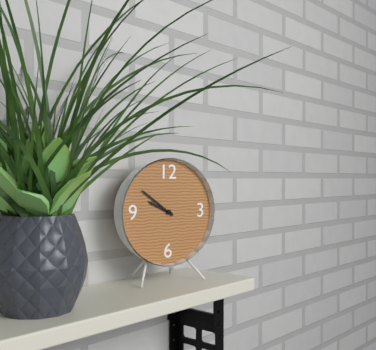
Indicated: 9,51
